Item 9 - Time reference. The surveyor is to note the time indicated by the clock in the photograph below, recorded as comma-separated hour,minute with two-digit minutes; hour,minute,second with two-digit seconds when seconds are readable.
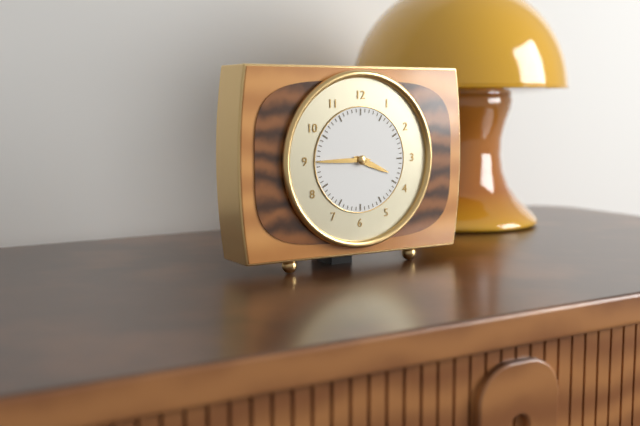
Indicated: 3,45
